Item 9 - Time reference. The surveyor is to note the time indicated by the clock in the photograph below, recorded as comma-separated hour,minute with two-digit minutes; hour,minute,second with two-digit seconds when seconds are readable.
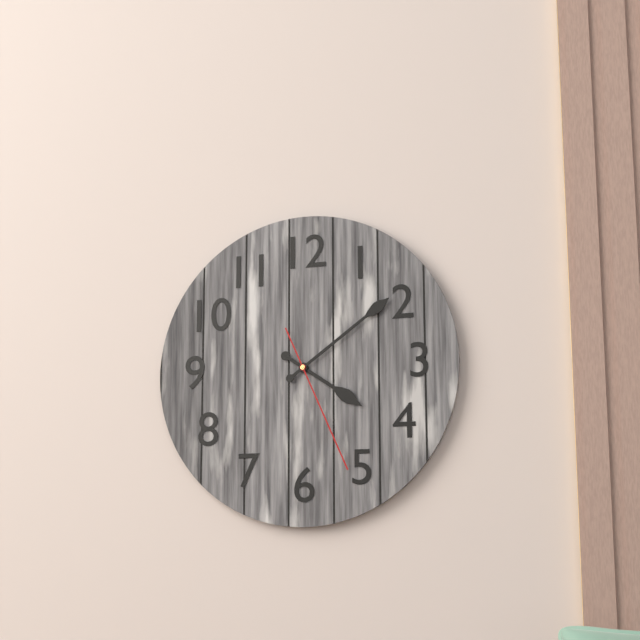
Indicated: 4,09,26
